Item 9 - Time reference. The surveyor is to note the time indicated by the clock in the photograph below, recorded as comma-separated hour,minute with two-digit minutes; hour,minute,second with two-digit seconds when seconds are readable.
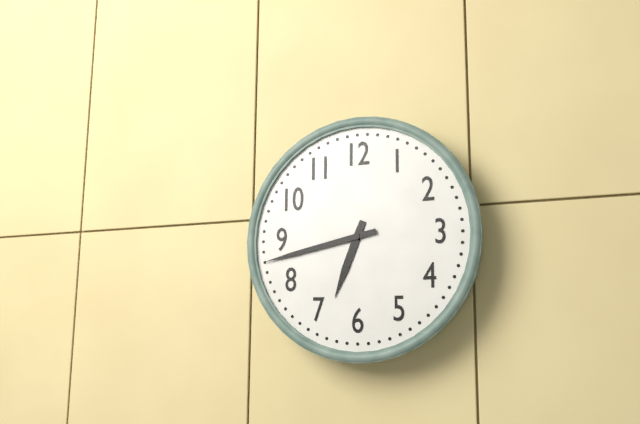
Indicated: 6,43
